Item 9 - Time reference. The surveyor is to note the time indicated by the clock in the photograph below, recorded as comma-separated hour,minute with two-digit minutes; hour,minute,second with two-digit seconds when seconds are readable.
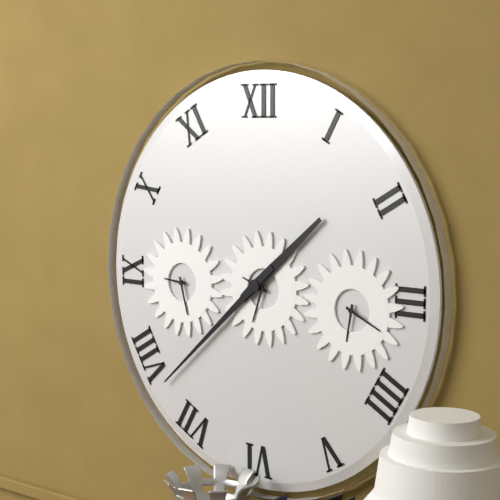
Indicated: 1,38
